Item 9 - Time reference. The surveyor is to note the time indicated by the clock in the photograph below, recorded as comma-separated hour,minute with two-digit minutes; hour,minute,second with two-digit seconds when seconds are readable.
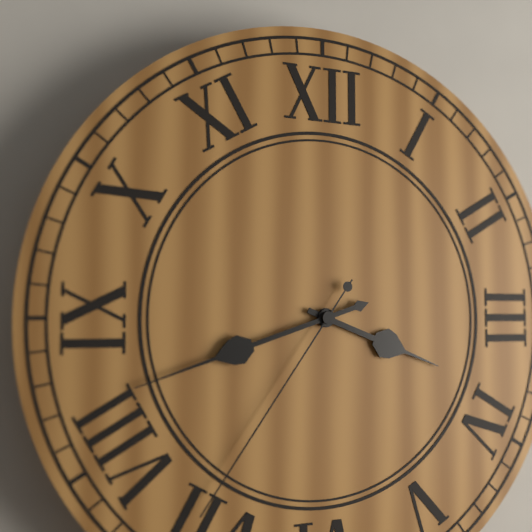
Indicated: 3,42,36
